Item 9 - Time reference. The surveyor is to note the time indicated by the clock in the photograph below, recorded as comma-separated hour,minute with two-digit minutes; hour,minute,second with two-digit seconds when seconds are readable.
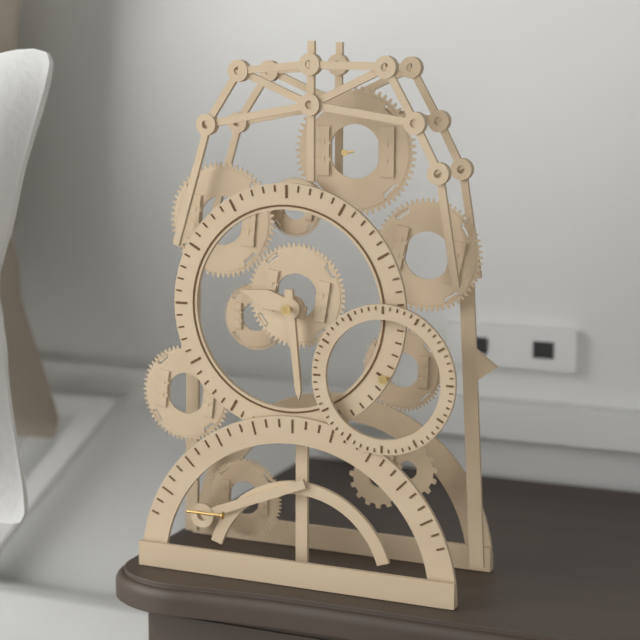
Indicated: 9,29
